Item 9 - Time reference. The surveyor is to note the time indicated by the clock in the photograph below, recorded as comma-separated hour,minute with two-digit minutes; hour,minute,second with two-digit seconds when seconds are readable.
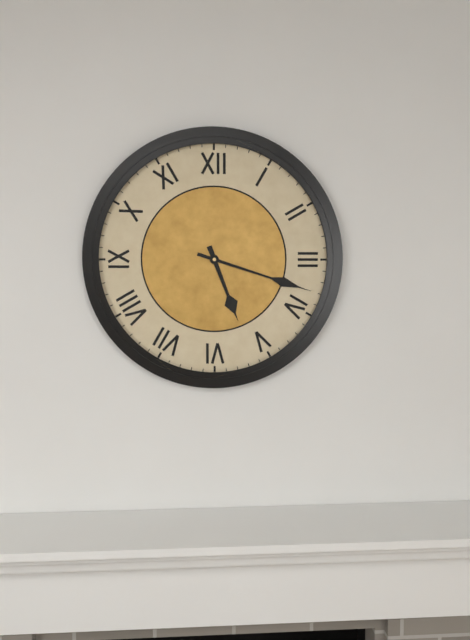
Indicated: 5,18
